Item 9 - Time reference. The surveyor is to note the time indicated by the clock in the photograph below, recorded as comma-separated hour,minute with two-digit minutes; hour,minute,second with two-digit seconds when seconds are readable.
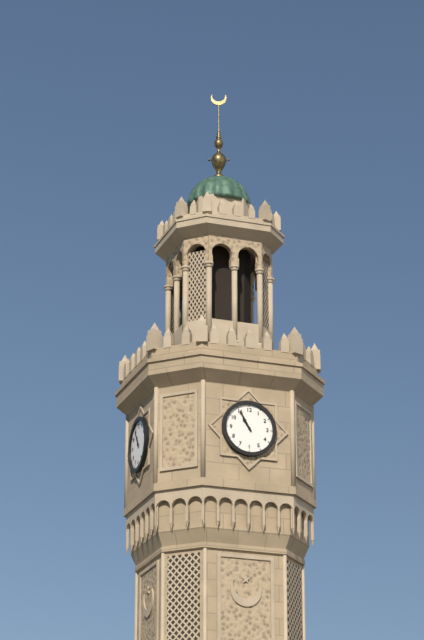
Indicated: 10,55
